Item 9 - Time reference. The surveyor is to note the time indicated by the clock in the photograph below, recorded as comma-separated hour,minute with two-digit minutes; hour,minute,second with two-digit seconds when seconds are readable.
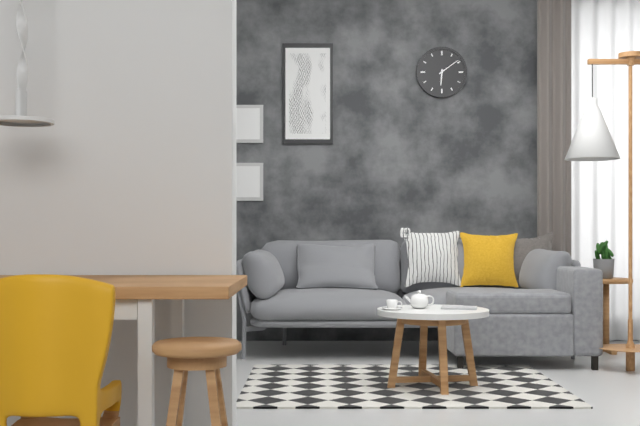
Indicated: 6,09
